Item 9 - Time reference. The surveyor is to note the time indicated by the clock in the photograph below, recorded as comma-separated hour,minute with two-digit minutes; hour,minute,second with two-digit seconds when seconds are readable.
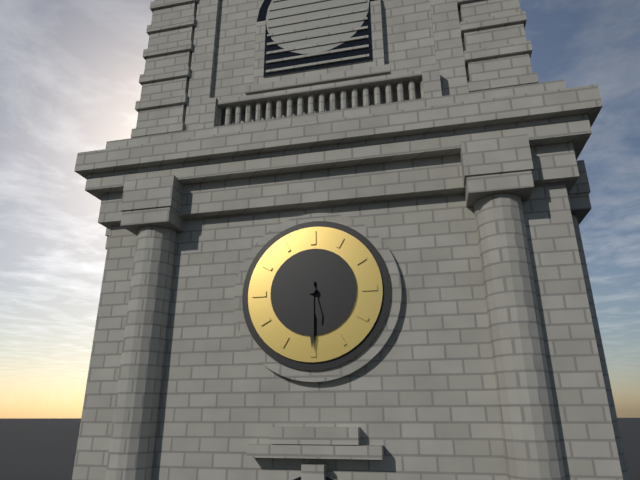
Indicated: 5,30
